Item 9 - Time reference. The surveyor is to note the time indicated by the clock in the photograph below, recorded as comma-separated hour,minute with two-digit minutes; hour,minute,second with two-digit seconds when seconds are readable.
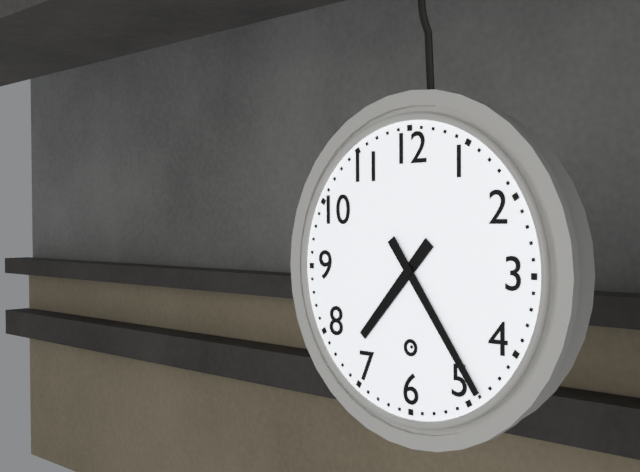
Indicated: 7,24
